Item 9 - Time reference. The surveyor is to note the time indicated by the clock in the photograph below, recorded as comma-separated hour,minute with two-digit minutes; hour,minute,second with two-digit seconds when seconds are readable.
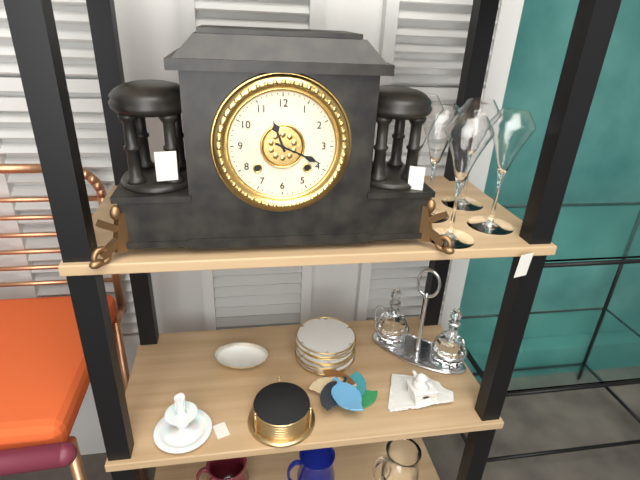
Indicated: 11,19
